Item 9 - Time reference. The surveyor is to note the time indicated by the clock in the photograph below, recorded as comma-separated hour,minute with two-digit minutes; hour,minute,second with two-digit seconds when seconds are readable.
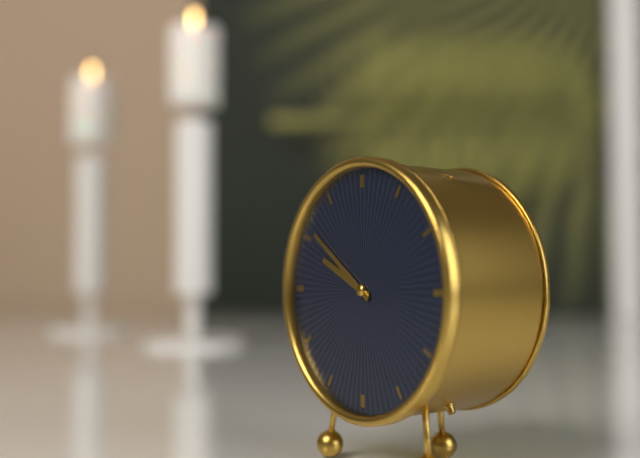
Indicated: 9,51
